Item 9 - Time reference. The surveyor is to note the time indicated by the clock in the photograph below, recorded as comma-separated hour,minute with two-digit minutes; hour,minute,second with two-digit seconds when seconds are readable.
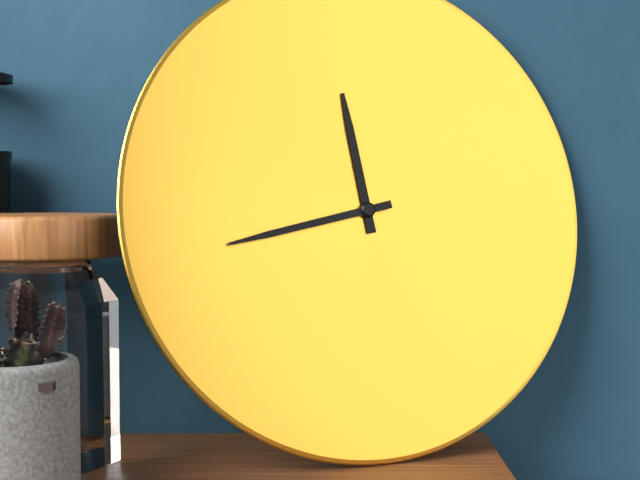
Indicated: 11,43
